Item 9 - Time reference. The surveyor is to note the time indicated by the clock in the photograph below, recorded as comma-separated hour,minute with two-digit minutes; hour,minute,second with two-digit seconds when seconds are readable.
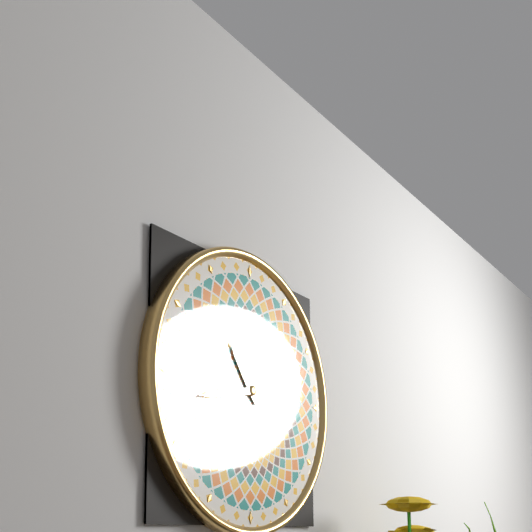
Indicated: 10,43
